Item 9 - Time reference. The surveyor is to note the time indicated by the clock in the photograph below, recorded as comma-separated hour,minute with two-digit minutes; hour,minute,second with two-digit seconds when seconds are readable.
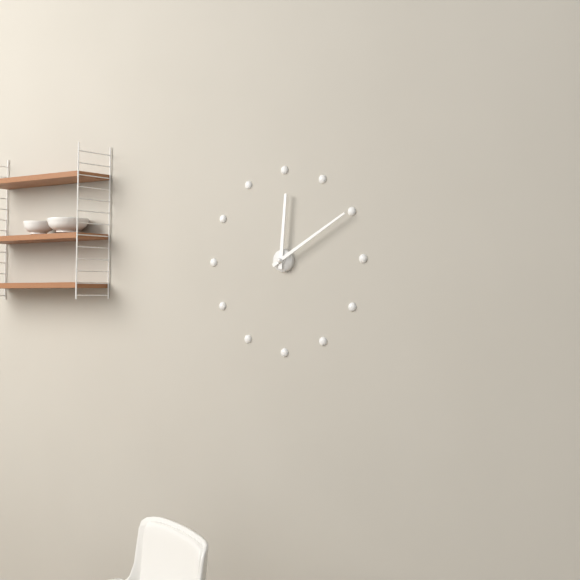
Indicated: 12,10
